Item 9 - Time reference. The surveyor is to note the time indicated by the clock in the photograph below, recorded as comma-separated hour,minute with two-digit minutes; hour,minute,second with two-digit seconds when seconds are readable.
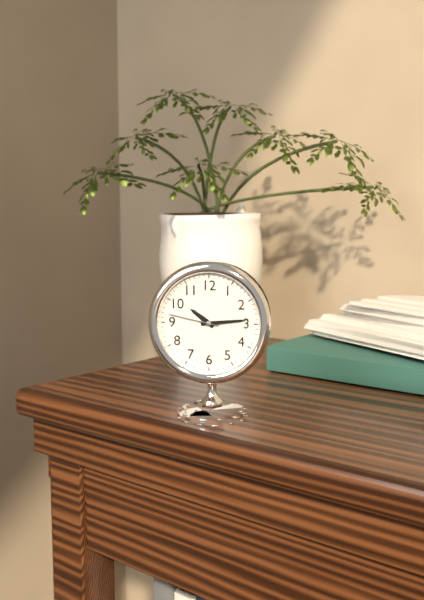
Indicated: 10,14,47
